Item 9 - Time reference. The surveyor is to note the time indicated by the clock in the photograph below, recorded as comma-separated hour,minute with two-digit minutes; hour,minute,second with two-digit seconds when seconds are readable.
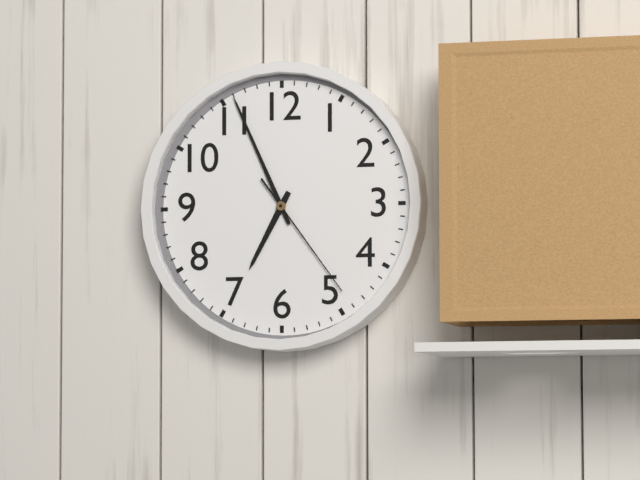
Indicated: 6,56,24
